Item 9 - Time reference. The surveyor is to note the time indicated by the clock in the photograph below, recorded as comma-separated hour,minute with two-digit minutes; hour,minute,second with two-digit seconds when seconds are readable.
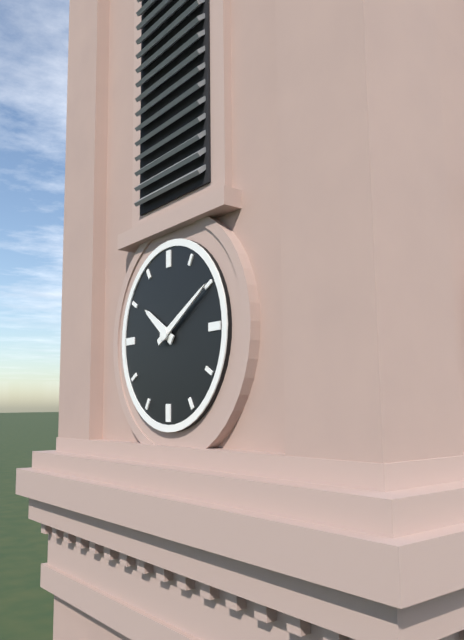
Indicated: 10,10
